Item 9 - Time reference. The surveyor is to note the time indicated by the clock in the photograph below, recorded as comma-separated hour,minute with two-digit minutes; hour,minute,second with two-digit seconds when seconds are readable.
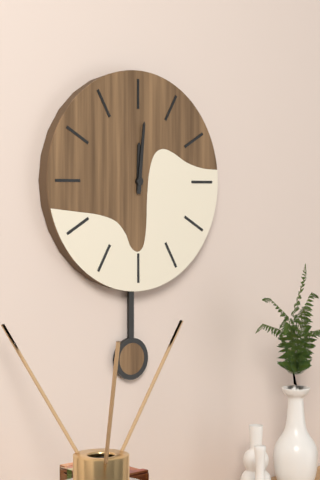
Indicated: 12,01
